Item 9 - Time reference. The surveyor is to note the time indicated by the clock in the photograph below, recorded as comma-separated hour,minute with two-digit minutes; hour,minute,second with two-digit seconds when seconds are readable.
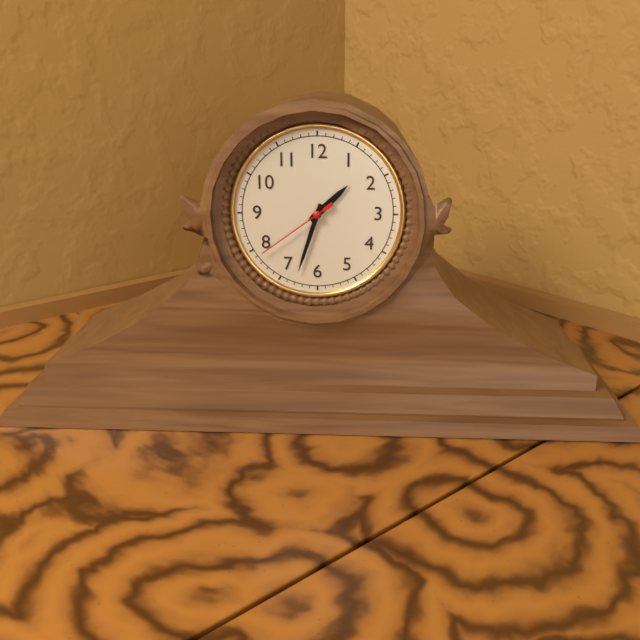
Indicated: 1,33,39
